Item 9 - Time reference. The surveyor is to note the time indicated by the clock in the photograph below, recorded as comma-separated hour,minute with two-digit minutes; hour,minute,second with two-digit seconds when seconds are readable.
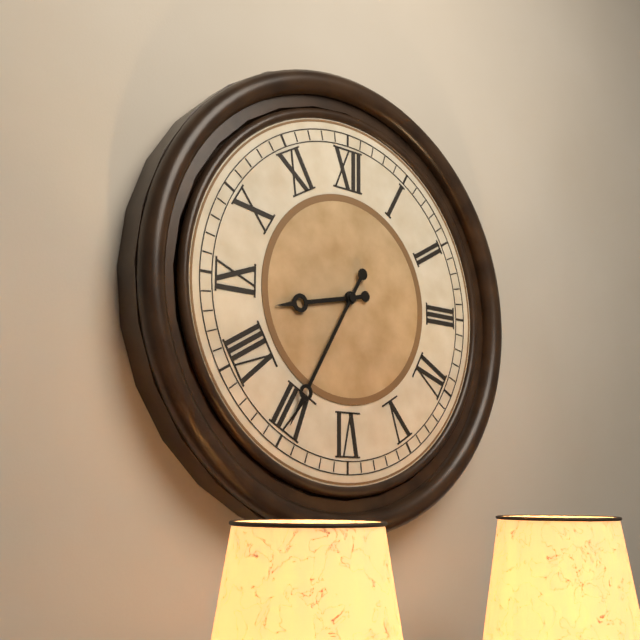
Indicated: 8,35
